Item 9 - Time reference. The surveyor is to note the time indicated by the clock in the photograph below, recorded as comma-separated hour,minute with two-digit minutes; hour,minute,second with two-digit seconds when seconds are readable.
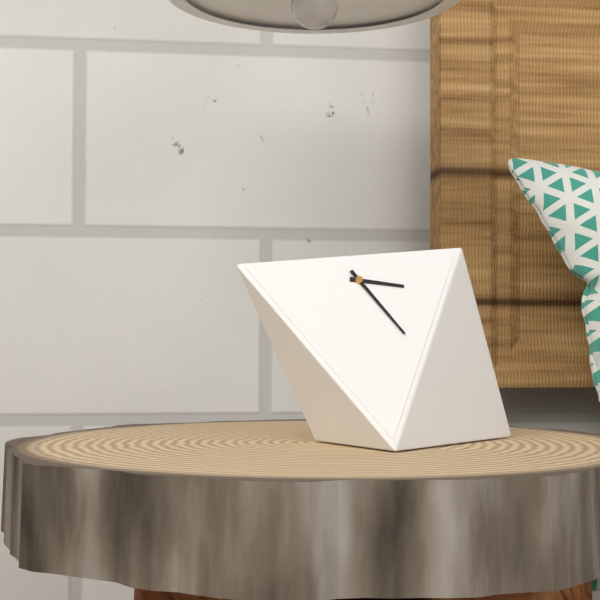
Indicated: 3,25
